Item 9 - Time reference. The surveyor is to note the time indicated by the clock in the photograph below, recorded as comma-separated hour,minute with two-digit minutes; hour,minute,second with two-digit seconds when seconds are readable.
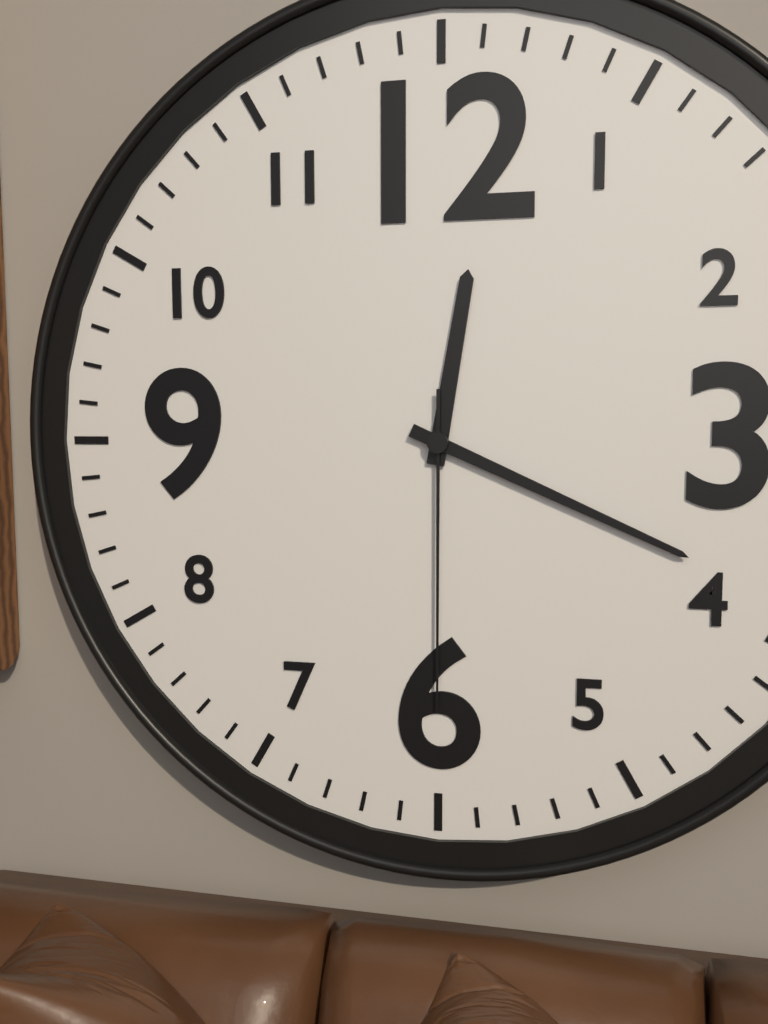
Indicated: 12,19,30
